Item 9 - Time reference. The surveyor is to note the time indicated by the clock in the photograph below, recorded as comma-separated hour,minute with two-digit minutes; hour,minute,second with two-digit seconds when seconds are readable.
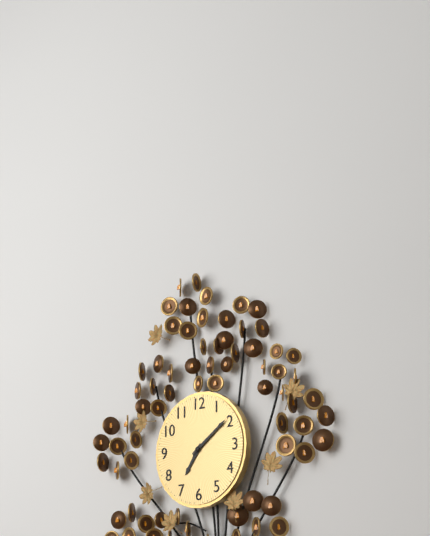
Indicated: 7,09
